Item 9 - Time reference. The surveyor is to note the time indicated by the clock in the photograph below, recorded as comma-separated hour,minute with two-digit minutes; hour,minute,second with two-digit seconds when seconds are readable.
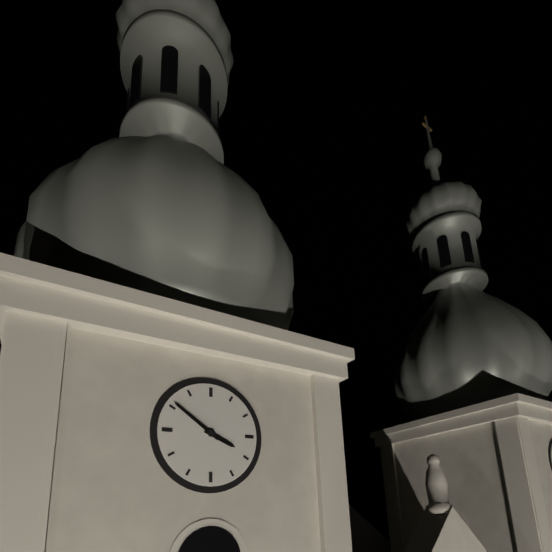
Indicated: 3,51
